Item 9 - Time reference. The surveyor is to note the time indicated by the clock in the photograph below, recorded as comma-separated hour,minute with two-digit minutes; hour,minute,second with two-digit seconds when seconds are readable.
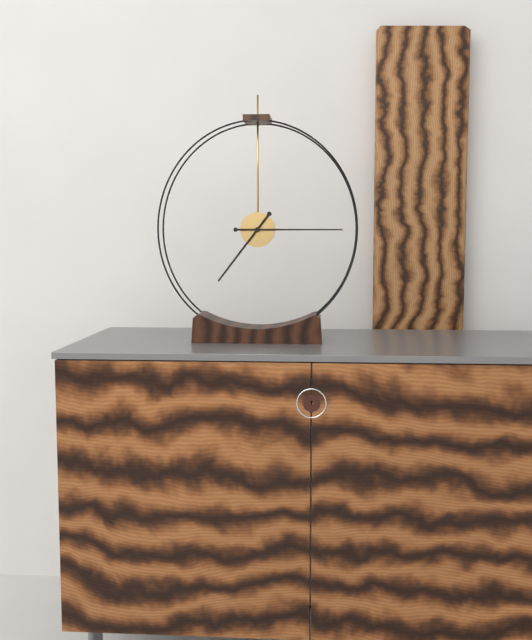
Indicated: 7,15
